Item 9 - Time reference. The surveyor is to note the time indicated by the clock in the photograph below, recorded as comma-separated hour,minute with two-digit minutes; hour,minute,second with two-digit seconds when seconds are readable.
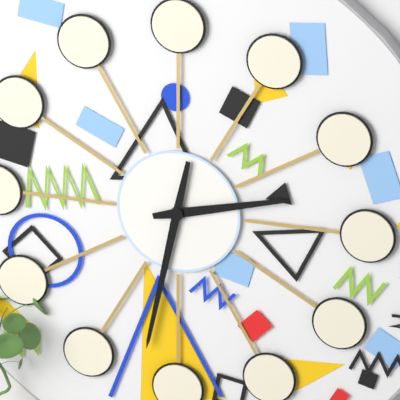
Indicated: 2,32
